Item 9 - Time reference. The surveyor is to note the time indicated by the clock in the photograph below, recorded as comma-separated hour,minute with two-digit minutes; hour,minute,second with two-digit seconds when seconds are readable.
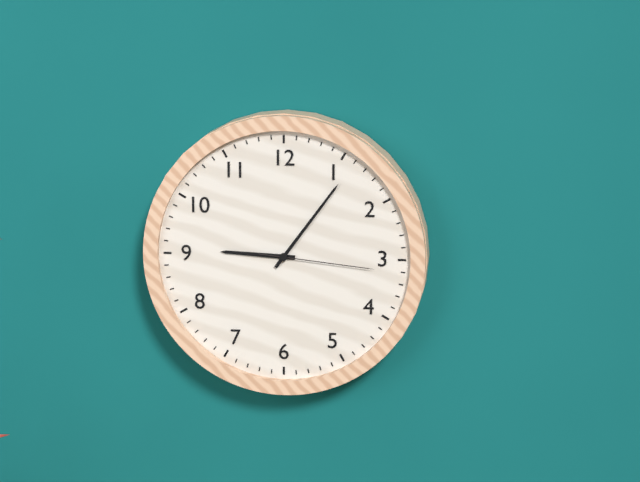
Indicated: 9,06,16
